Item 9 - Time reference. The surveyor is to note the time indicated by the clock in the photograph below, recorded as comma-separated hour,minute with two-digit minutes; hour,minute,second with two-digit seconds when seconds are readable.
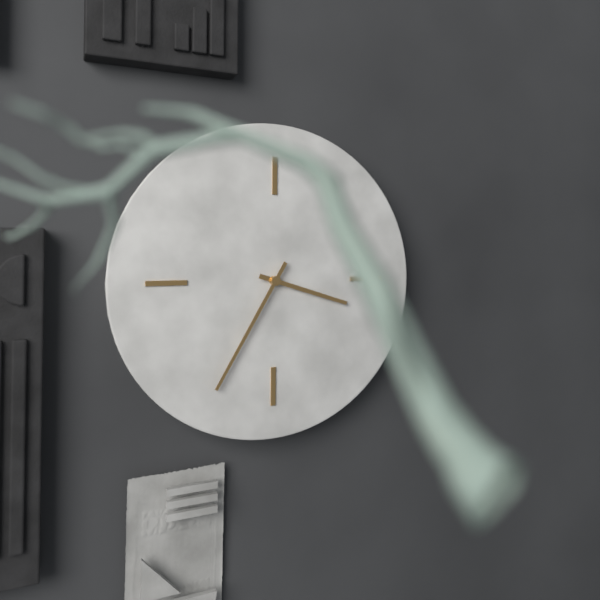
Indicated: 3,35
